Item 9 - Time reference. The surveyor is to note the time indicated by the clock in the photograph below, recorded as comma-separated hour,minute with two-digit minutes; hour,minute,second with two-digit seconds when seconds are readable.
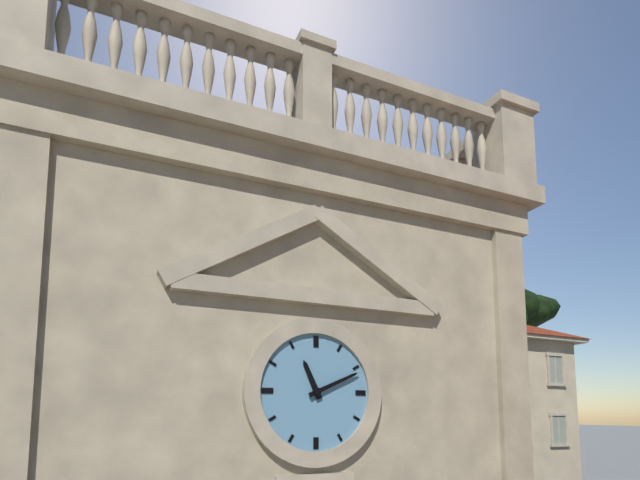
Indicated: 11,11
